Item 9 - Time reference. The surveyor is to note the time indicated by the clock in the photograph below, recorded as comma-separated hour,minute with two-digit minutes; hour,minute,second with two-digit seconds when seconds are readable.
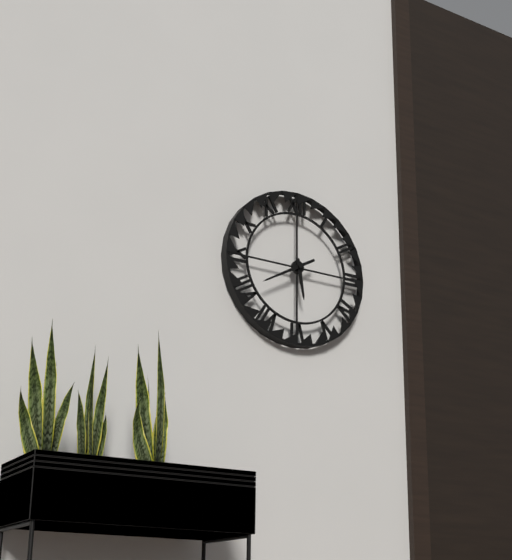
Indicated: 5,40
